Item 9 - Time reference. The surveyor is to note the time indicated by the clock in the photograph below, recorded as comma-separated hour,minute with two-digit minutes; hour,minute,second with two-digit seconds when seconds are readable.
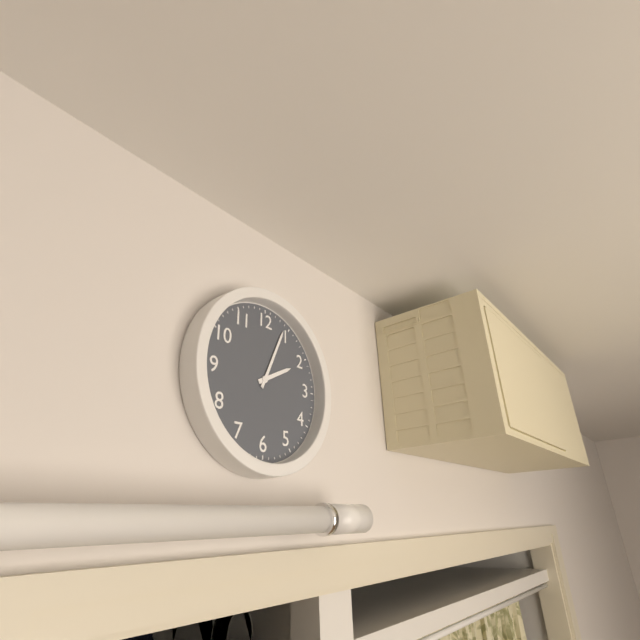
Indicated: 2,04
